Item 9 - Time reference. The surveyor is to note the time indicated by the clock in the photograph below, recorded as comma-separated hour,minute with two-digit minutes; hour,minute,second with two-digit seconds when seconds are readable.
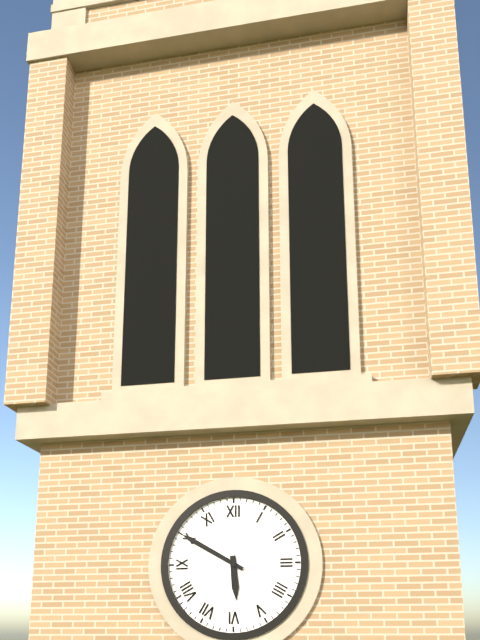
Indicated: 5,50
